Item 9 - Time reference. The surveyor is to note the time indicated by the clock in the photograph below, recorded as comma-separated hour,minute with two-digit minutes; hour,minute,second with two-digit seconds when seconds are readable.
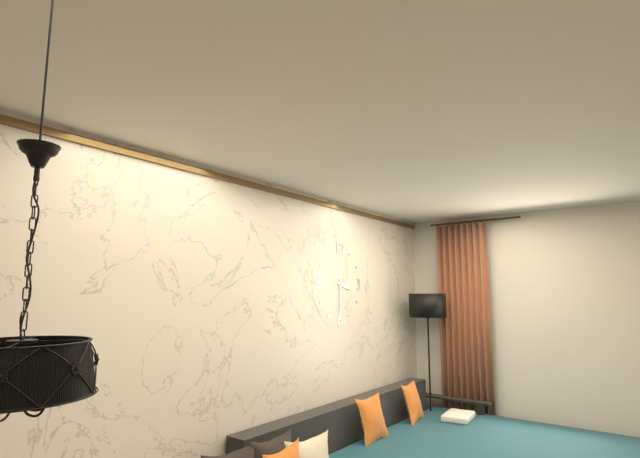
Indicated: 3,30
